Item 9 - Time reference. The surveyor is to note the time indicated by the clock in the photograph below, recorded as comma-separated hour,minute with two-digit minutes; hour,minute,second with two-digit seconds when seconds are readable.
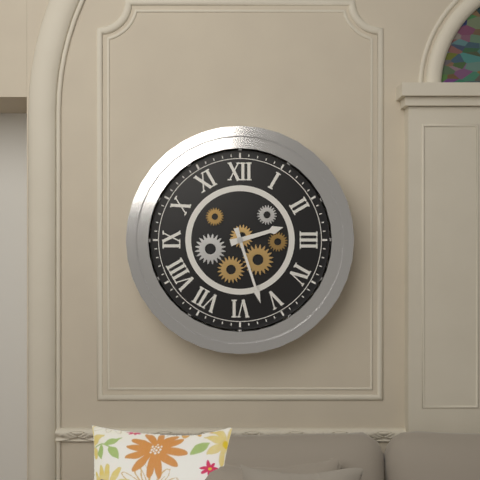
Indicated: 2,27
